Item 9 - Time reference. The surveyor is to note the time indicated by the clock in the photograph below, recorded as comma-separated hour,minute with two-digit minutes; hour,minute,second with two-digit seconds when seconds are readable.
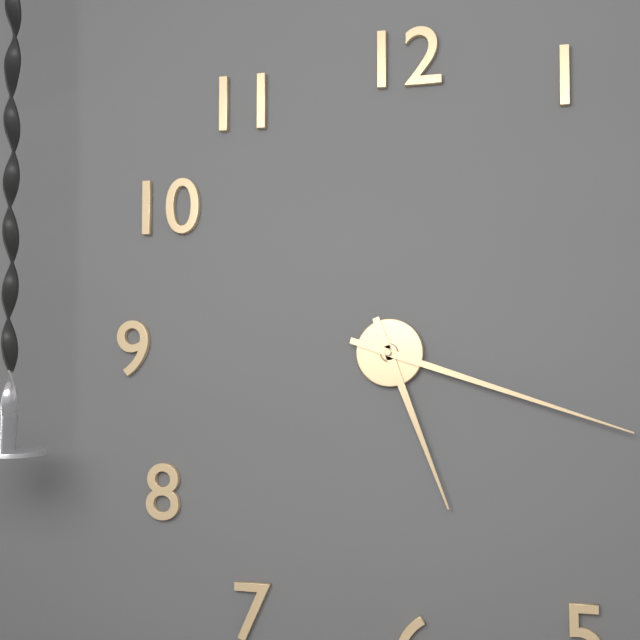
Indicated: 5,18
